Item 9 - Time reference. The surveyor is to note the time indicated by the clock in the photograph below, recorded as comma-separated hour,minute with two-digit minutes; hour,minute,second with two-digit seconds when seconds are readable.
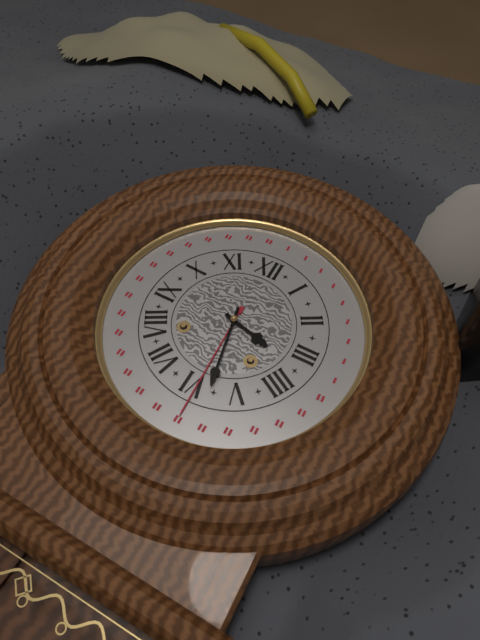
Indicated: 3,28
